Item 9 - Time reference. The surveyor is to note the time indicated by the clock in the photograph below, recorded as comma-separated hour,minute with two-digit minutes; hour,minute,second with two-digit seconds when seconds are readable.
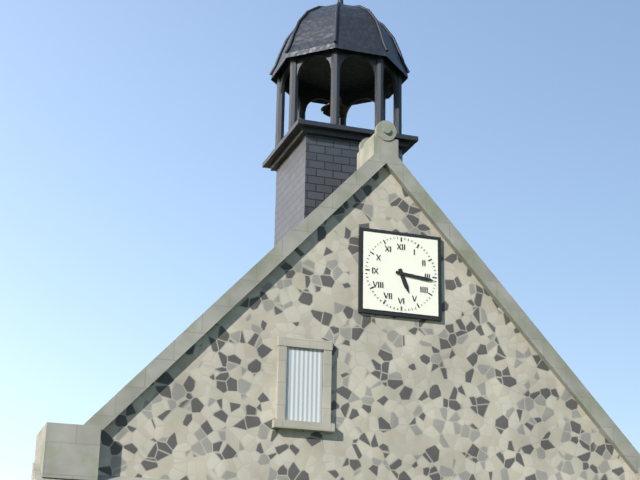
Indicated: 5,16
